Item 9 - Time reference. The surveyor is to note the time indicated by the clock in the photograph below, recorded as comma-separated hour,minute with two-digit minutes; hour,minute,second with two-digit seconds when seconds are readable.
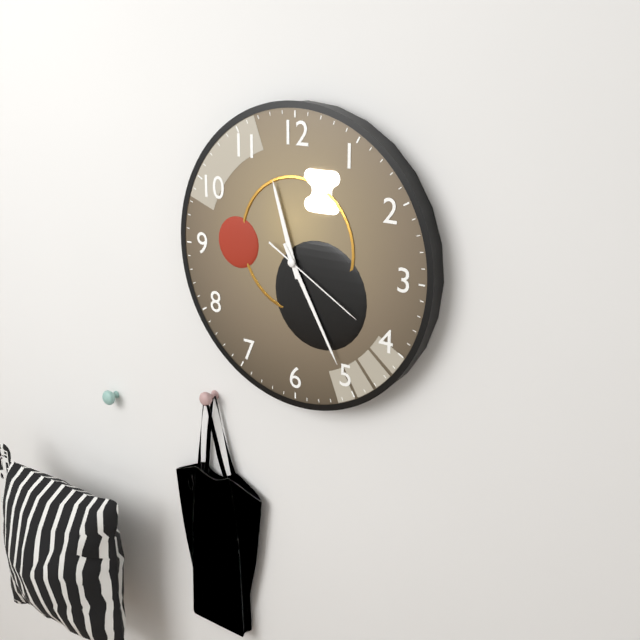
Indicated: 11,25,20
